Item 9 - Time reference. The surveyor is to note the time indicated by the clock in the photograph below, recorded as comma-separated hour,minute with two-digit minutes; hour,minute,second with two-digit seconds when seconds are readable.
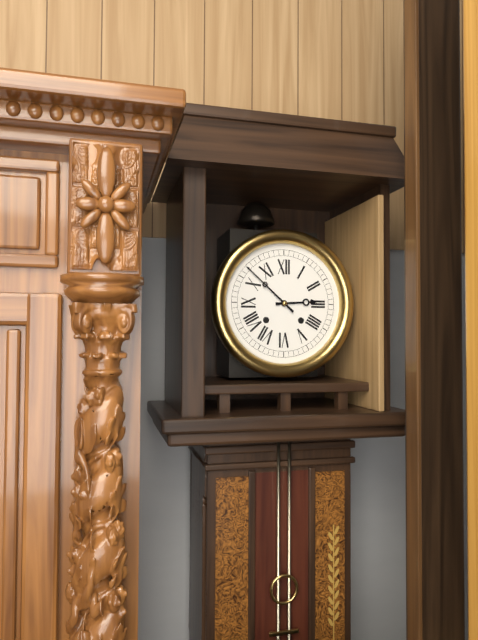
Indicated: 2,52
